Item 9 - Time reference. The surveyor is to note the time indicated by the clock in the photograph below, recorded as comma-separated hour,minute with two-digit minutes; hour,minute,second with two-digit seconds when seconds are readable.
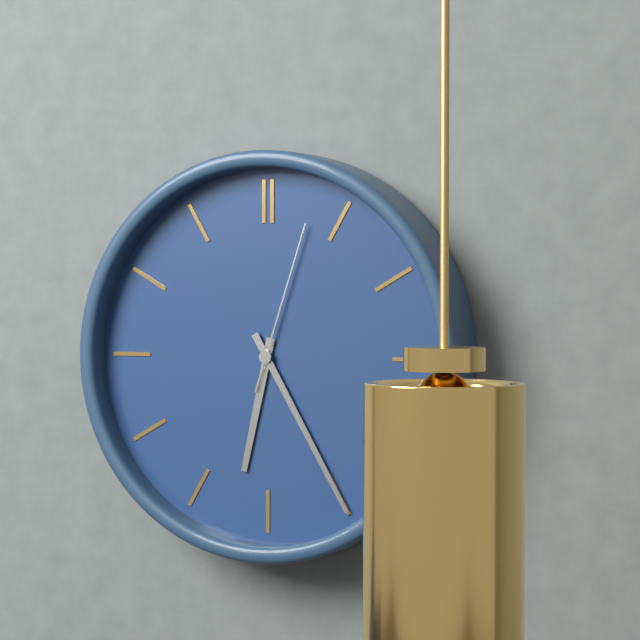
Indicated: 6,25,03
